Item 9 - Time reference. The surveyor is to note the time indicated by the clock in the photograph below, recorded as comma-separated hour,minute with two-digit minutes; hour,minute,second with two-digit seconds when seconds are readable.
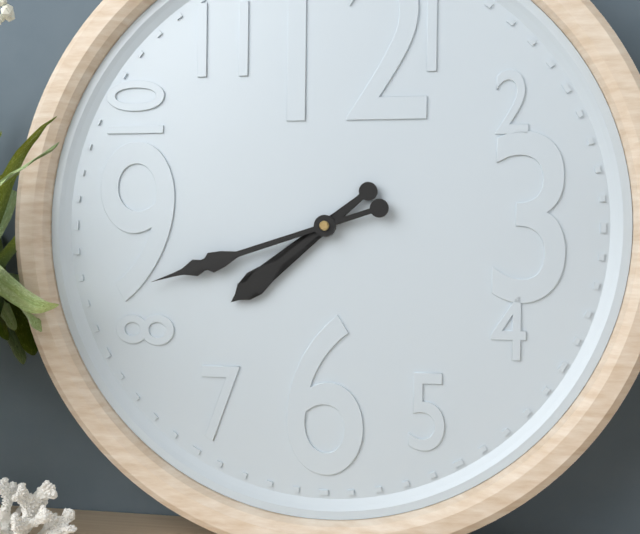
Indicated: 7,42
